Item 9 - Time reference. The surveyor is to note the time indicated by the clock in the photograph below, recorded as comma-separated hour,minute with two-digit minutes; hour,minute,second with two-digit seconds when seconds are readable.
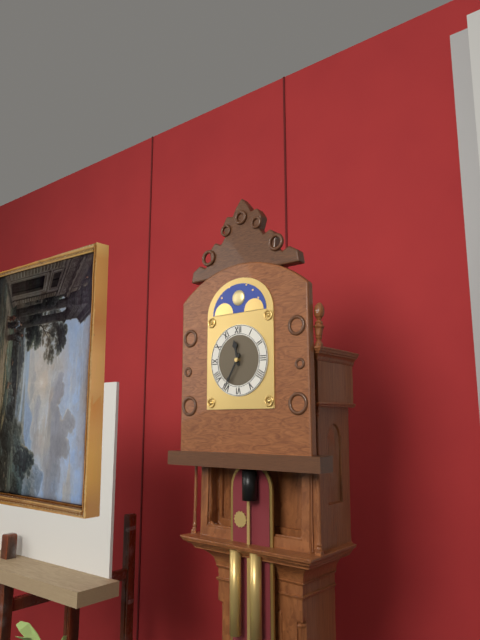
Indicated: 11,35
